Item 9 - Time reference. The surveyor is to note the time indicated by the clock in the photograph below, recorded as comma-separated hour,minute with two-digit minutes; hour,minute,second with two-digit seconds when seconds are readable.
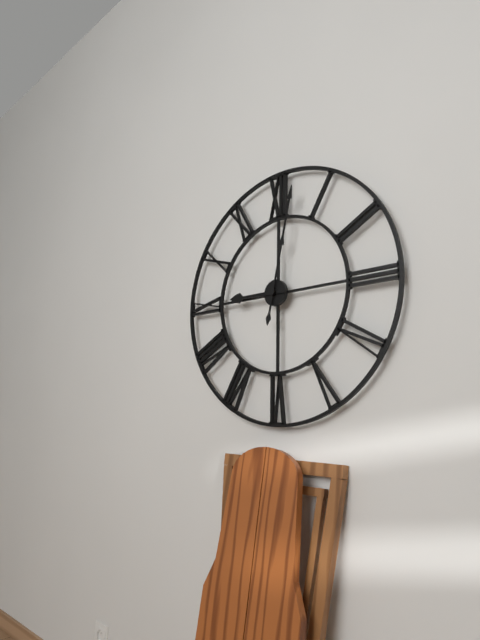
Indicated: 9,02
